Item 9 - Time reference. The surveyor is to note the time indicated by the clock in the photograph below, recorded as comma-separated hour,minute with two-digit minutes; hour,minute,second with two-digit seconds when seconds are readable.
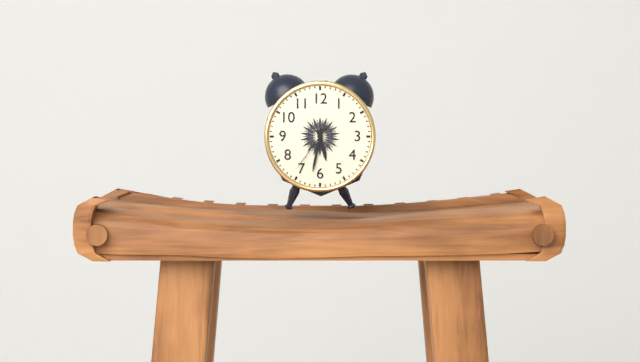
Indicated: 5,32,36
